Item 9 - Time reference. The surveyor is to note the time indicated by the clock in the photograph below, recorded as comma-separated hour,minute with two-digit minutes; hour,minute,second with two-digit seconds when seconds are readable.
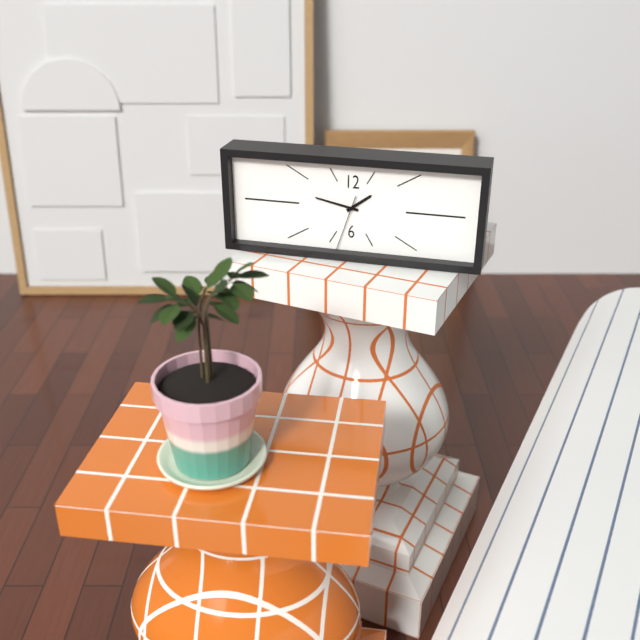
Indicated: 1,47,33
